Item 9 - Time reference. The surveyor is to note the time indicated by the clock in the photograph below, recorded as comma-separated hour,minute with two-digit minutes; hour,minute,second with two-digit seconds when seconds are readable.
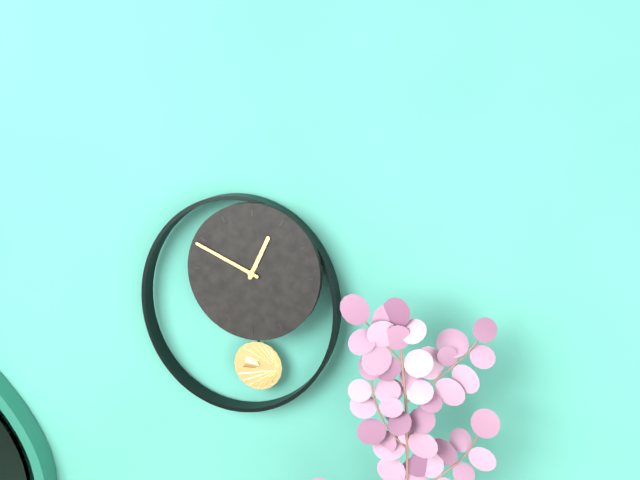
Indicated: 12,49
